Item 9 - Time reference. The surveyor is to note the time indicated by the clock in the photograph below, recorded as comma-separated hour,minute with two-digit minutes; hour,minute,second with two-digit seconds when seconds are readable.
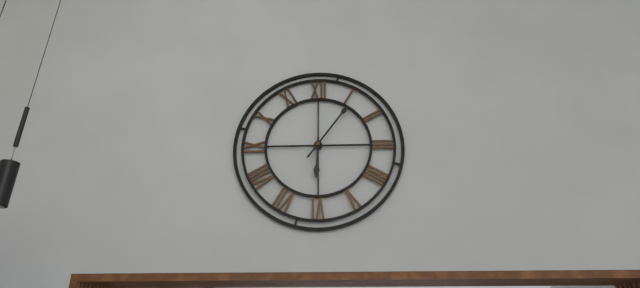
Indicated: 6,06
